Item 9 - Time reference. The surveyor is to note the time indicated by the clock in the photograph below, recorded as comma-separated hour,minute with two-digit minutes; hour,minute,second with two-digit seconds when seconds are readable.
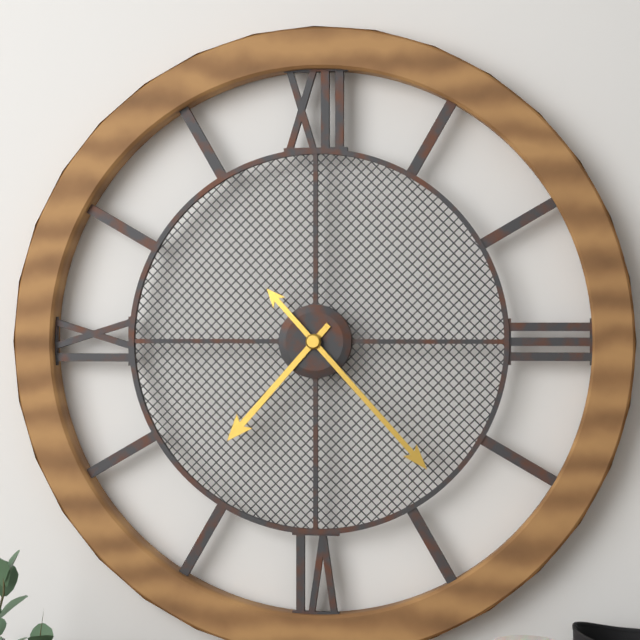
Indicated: 7,23
